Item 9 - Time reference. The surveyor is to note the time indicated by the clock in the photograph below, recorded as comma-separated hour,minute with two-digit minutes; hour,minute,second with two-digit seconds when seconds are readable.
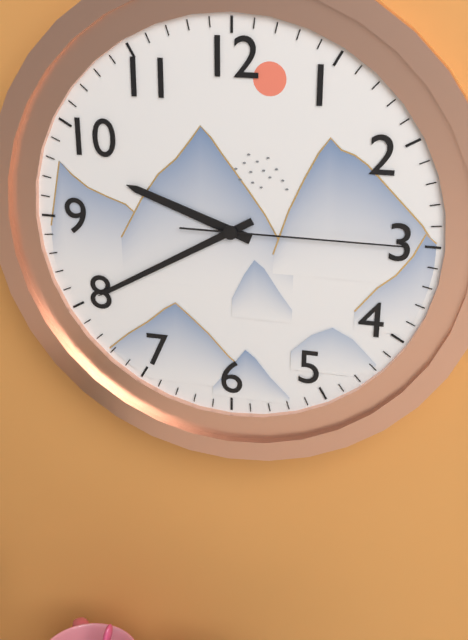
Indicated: 9,40,15
